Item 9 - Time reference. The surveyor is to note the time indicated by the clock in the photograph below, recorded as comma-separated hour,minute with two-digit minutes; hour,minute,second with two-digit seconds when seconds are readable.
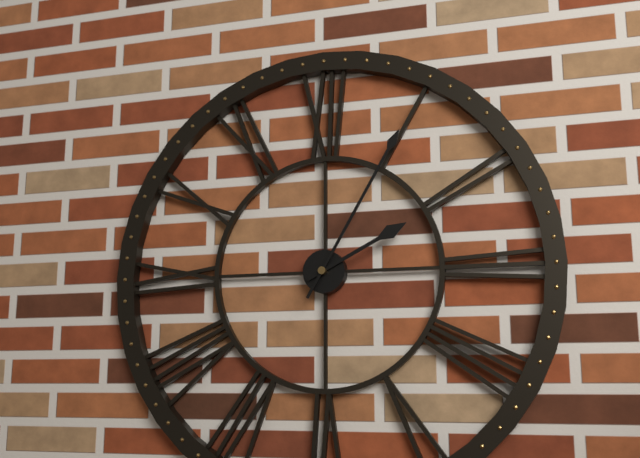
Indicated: 2,05
